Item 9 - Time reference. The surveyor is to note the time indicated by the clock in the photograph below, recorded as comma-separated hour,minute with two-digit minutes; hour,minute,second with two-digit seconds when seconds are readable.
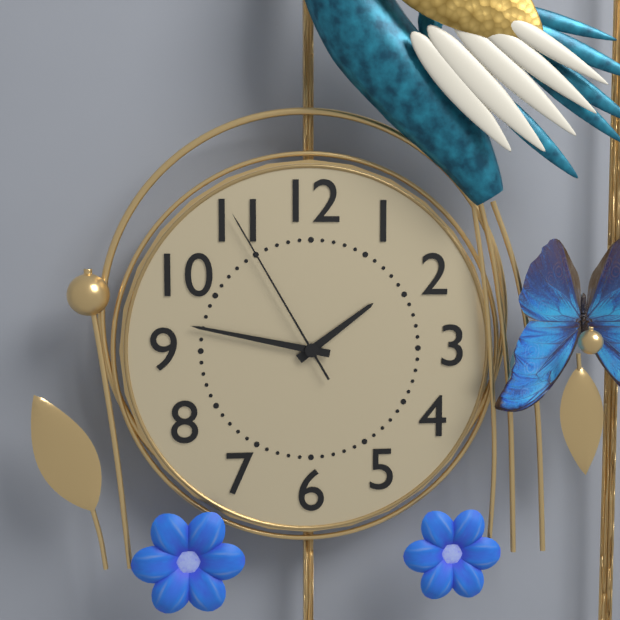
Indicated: 1,47,55
